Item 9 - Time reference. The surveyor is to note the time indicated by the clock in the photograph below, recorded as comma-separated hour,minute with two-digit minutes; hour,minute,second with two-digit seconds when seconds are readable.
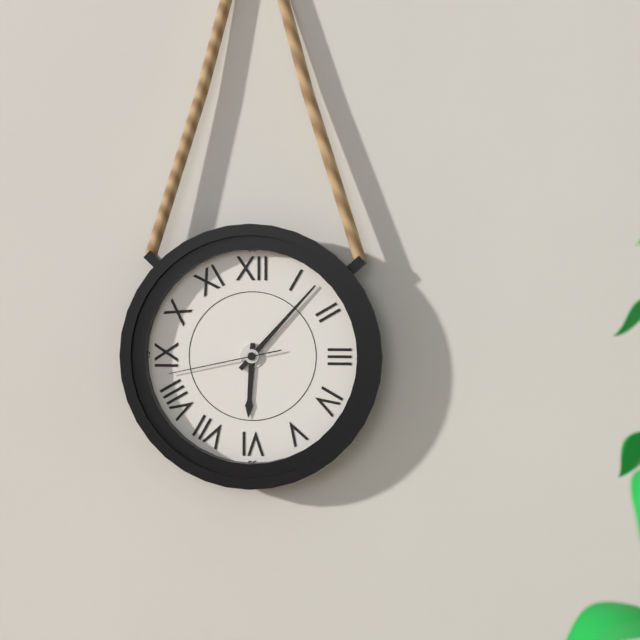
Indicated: 6,07,43
